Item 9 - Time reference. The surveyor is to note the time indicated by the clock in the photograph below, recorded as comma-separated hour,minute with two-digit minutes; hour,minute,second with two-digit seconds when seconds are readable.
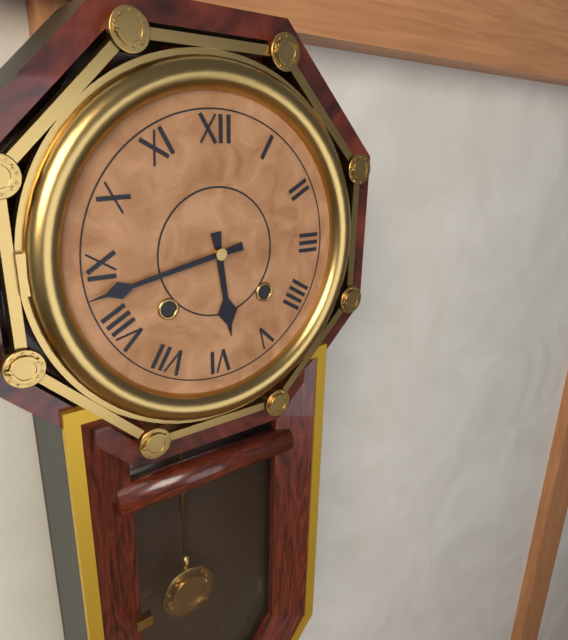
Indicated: 5,43
